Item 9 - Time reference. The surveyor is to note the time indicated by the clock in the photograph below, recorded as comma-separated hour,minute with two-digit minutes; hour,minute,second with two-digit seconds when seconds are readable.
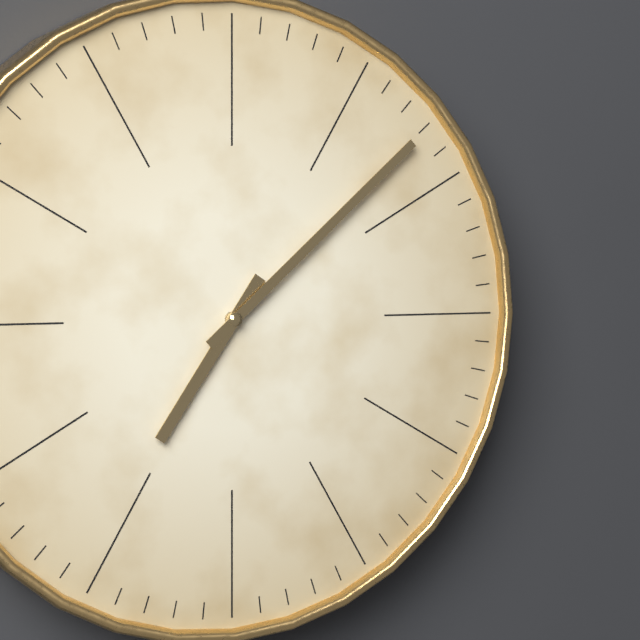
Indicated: 7,08
